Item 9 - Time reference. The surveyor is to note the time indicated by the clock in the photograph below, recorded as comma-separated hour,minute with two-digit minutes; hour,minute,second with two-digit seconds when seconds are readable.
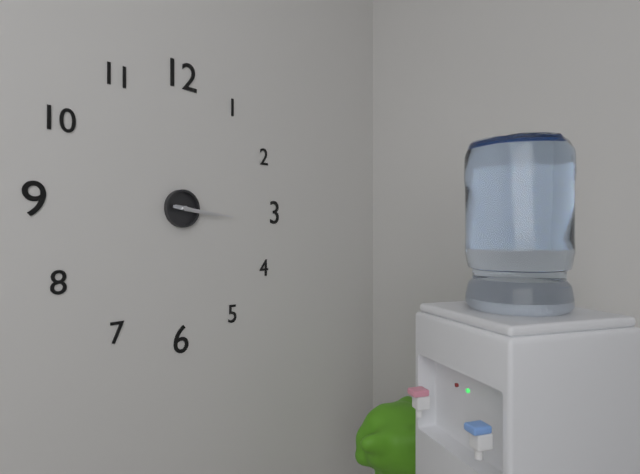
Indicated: 3,16
